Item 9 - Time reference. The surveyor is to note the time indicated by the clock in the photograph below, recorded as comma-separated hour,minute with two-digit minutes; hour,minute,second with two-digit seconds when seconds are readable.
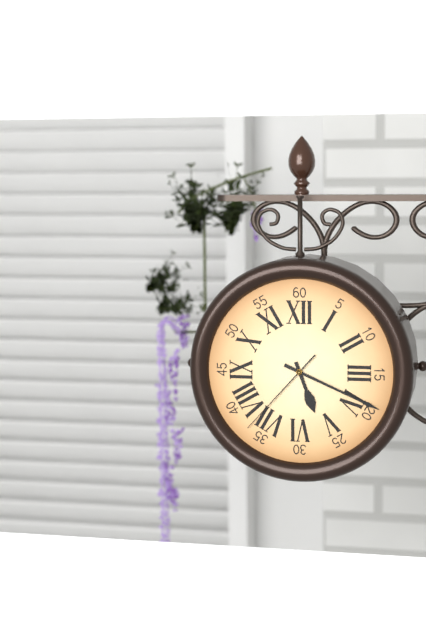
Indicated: 5,19,37
